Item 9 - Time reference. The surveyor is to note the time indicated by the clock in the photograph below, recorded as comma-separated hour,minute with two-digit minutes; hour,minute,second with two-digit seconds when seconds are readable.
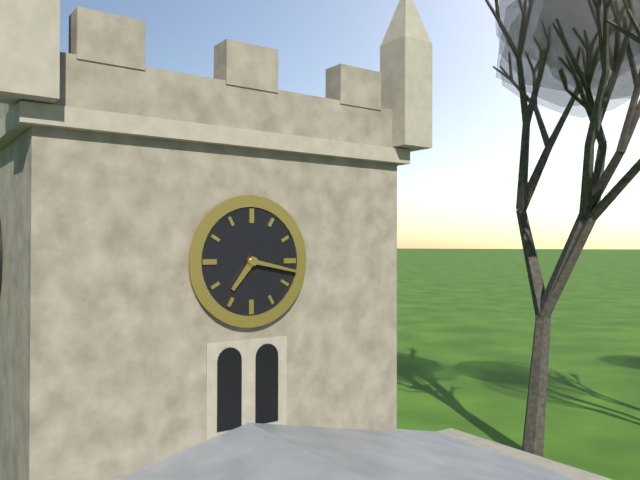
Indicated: 7,17
